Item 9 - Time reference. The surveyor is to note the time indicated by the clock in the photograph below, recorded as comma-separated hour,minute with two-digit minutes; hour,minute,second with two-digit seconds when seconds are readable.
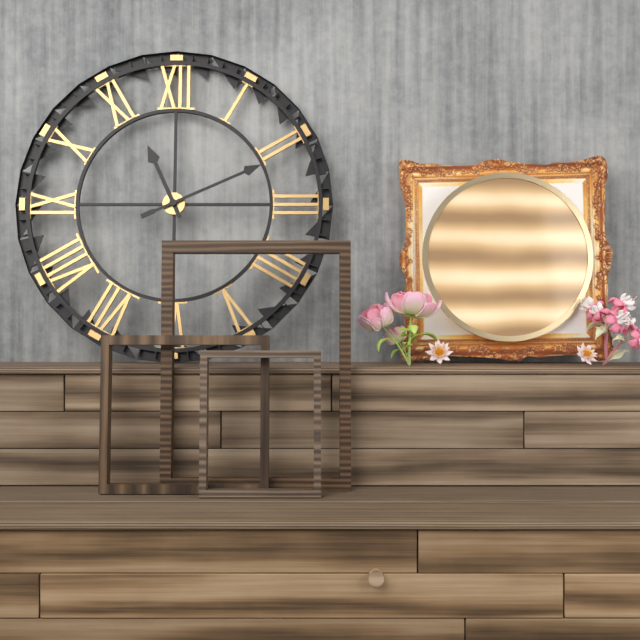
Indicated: 11,11
